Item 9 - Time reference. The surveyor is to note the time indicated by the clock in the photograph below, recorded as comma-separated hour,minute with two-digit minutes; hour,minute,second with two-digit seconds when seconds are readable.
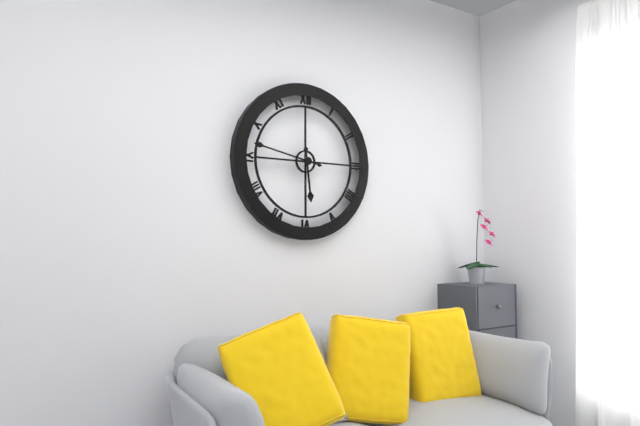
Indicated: 5,47
